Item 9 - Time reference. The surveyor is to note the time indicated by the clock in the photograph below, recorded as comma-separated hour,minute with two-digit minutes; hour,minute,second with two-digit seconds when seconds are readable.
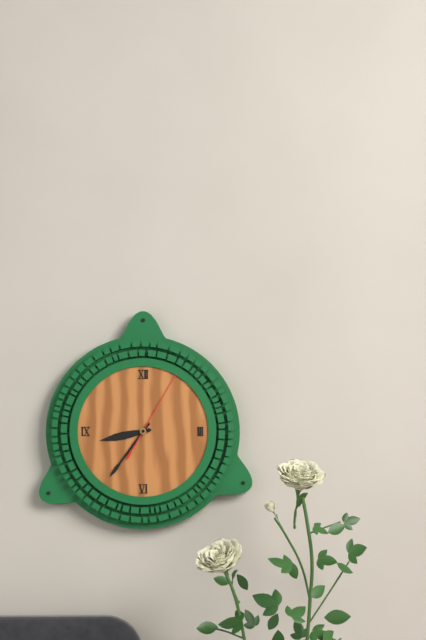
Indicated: 8,36,05
